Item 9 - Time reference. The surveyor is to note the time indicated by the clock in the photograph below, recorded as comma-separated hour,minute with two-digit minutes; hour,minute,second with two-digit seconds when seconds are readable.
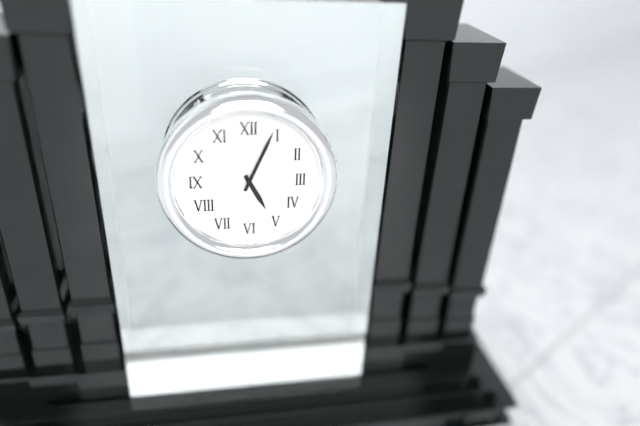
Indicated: 5,04
